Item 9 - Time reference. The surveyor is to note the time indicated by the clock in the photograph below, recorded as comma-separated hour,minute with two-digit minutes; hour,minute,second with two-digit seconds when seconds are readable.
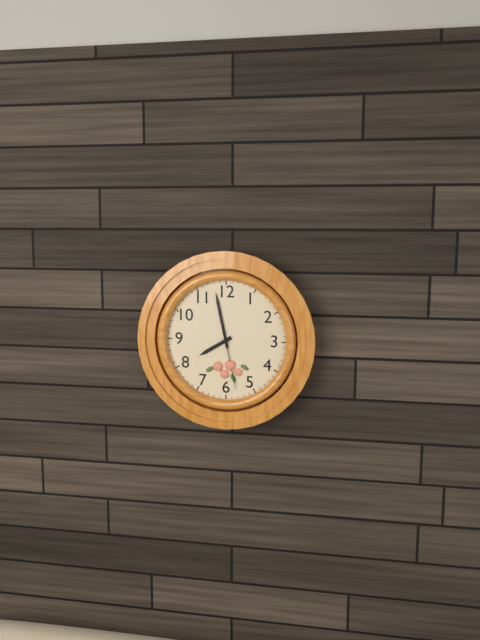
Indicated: 7,58,28
